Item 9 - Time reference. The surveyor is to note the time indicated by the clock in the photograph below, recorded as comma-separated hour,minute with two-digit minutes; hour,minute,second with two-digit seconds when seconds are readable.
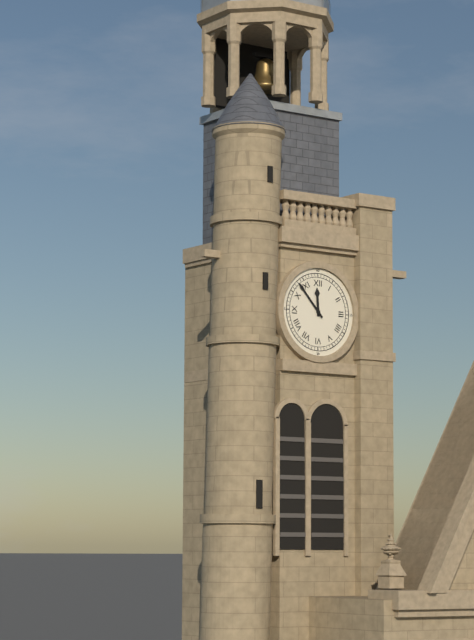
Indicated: 11,53
